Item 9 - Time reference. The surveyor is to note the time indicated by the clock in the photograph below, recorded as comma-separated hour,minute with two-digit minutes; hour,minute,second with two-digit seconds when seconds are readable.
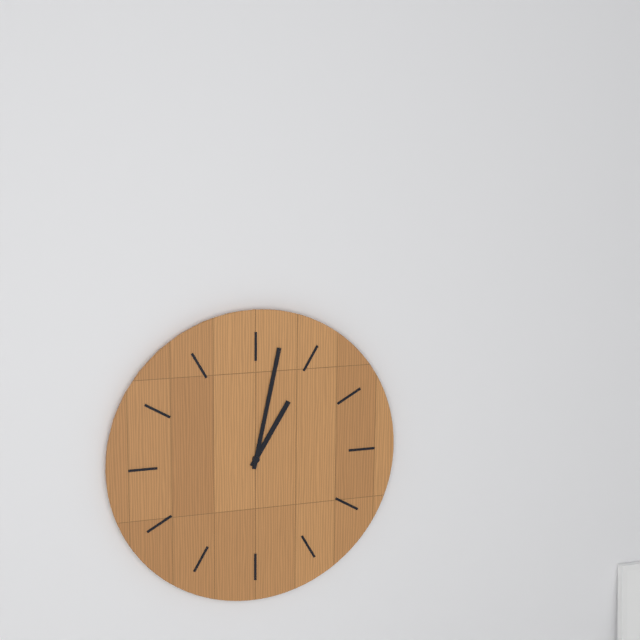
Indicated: 1,02
